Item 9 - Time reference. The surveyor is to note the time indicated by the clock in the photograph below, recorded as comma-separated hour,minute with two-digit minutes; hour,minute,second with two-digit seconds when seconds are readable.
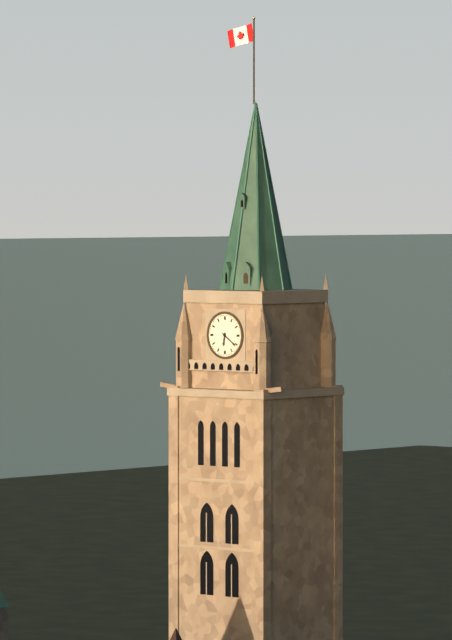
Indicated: 6,21
